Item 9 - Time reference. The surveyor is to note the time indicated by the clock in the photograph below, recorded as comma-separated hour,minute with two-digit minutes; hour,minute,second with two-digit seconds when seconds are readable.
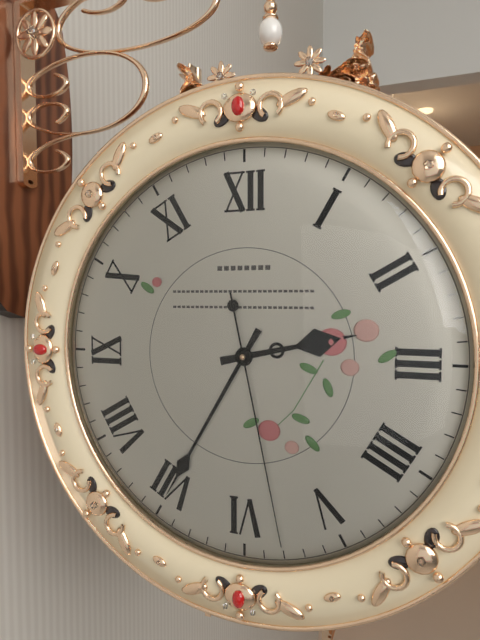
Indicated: 2,35,28
